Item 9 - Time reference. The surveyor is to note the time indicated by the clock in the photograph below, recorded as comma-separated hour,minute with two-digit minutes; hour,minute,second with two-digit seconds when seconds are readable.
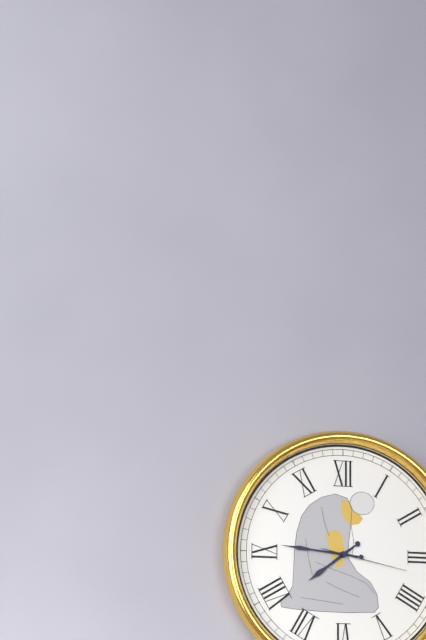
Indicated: 7,46,17
